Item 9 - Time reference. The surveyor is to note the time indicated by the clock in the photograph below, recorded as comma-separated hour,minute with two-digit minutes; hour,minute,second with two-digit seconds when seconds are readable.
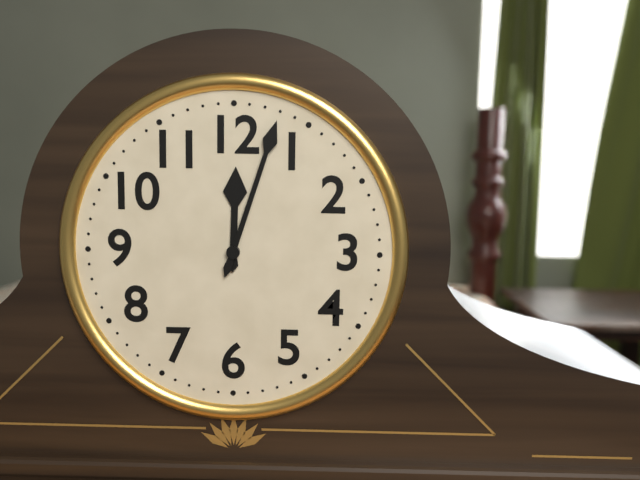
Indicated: 12,03
